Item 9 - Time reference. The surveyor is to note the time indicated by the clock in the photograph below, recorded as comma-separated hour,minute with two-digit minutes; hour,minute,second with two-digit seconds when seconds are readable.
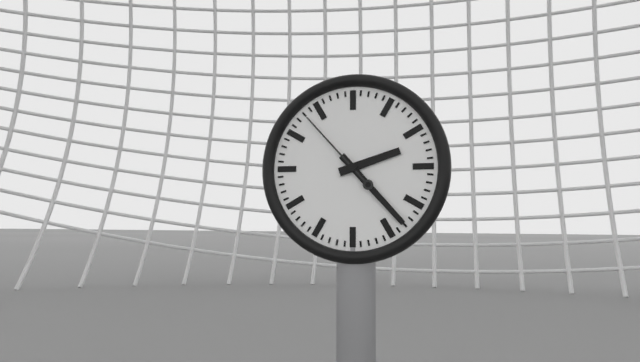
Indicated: 2,23,53
